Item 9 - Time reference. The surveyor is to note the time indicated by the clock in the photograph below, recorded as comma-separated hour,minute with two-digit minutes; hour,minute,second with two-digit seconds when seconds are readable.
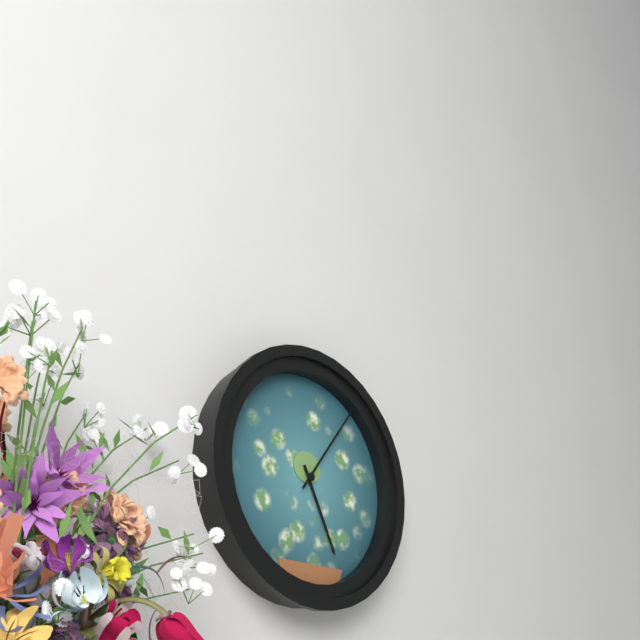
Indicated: 5,06
